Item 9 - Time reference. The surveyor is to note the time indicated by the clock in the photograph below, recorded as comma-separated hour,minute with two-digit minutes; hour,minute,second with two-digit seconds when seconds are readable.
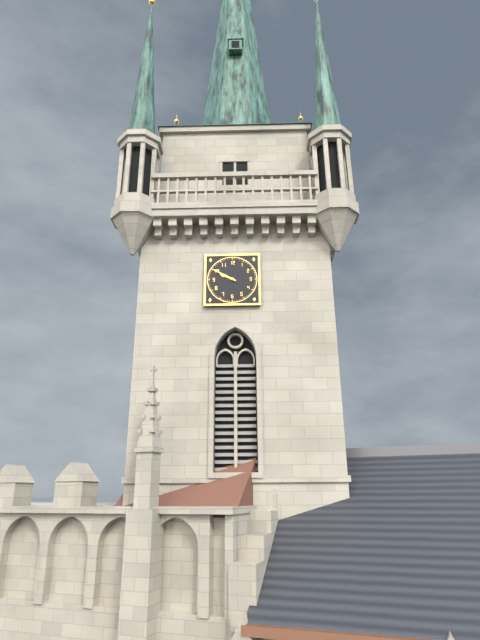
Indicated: 9,50
